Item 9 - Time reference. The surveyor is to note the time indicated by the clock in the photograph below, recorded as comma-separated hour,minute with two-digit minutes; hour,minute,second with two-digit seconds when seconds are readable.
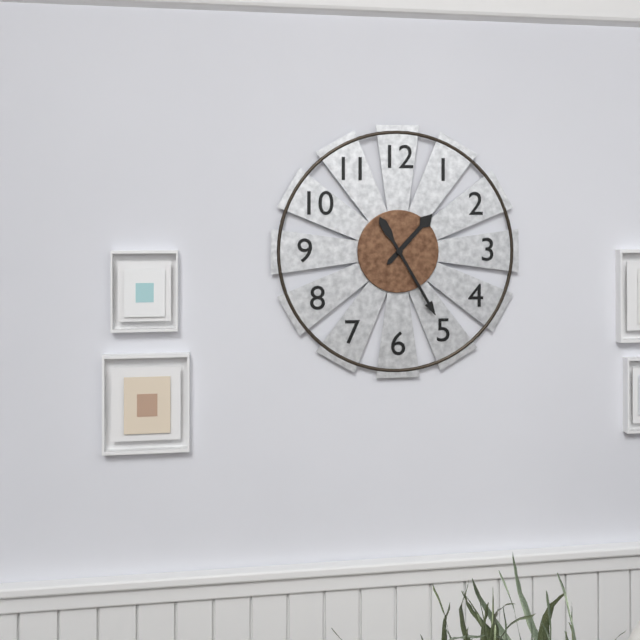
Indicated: 1,25
